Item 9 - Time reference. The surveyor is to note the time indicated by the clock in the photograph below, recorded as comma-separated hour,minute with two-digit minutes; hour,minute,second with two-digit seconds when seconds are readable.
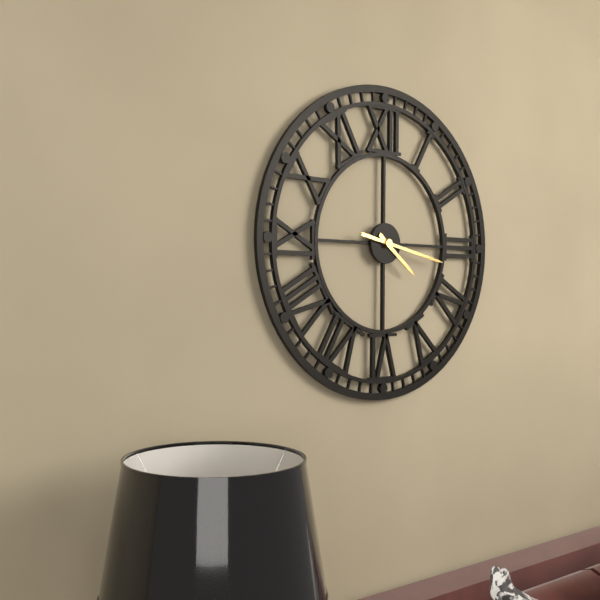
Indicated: 4,17
